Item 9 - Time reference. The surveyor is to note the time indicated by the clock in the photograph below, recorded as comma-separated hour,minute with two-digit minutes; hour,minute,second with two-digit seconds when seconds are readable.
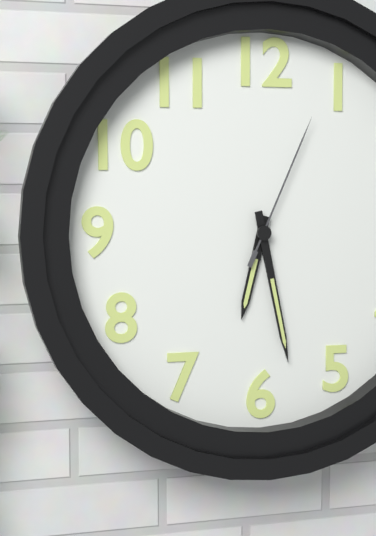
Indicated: 6,28,04
